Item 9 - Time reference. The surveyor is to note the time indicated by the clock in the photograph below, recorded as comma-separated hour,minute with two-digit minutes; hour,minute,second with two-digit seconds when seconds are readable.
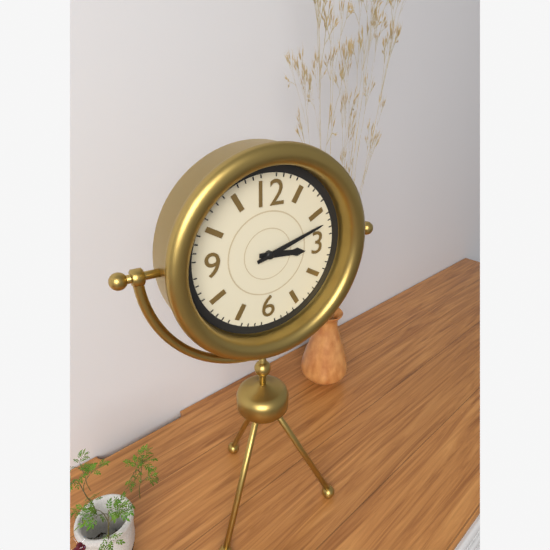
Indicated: 3,12
